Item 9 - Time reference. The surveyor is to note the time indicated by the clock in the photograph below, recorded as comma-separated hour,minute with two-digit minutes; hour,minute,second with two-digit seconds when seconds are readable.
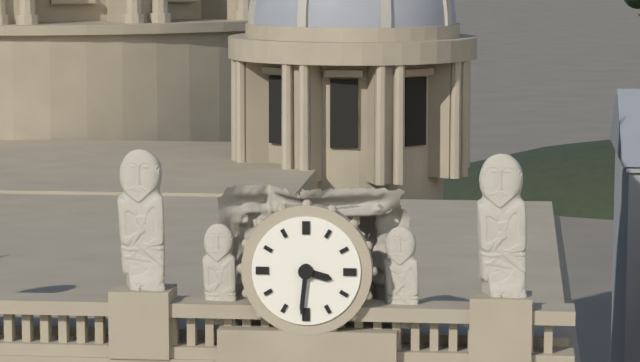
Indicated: 3,31
